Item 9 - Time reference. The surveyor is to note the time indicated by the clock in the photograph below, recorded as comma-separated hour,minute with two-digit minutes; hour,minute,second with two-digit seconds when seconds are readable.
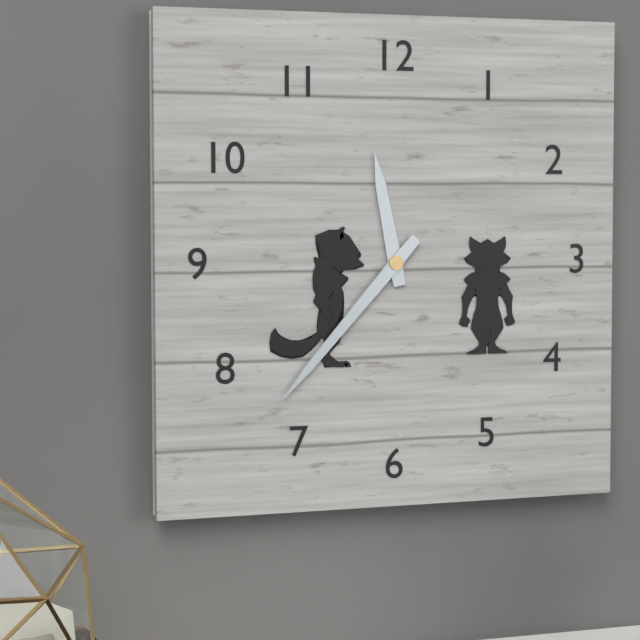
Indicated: 11,37
